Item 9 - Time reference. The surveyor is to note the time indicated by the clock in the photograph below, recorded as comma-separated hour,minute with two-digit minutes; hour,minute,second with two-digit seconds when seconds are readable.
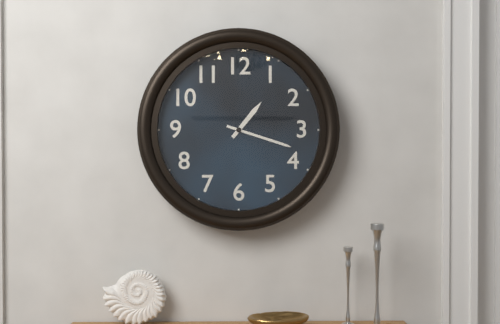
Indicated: 1,18
